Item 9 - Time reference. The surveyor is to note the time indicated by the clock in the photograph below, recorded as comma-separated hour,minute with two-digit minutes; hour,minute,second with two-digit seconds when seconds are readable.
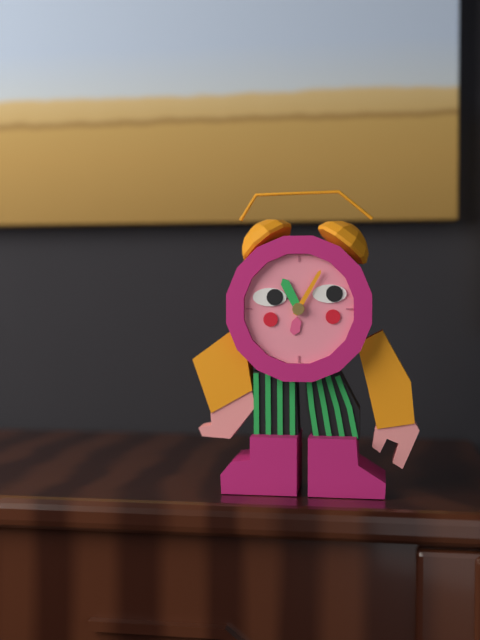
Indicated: 11,05
